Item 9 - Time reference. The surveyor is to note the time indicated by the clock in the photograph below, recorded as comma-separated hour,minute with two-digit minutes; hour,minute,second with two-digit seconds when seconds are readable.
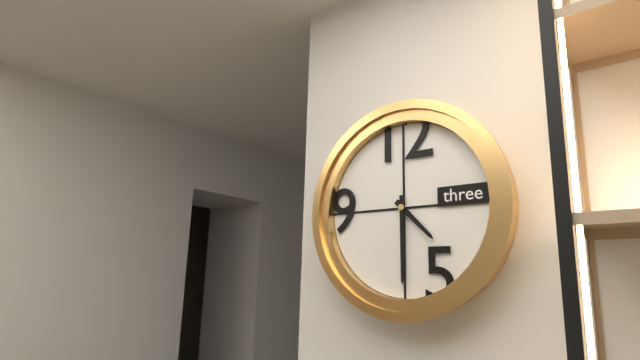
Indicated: 4,30
